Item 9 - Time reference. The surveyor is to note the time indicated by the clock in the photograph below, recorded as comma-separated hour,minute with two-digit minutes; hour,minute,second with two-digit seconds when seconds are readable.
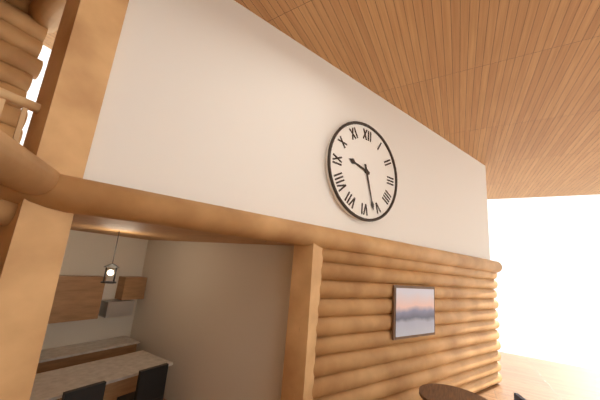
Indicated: 9,27
